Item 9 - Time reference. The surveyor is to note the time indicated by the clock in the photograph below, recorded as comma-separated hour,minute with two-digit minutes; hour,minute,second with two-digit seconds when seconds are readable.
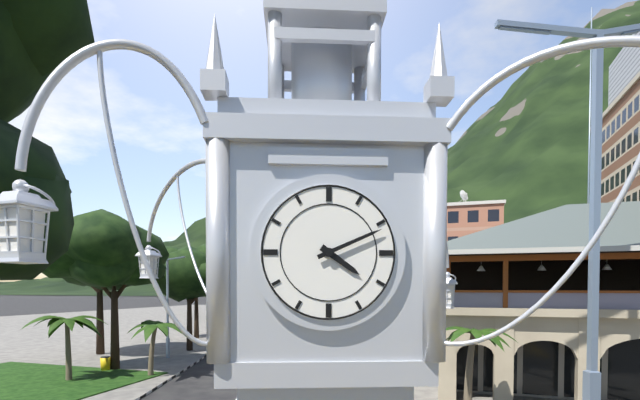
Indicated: 4,11
